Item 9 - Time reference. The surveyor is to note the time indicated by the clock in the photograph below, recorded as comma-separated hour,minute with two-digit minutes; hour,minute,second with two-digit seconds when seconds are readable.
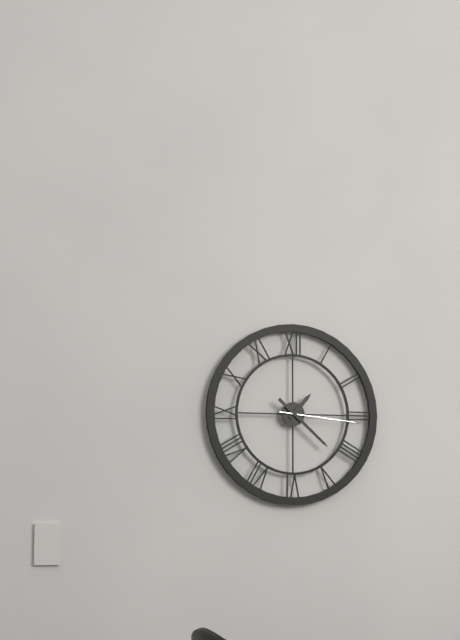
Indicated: 1,22,16
